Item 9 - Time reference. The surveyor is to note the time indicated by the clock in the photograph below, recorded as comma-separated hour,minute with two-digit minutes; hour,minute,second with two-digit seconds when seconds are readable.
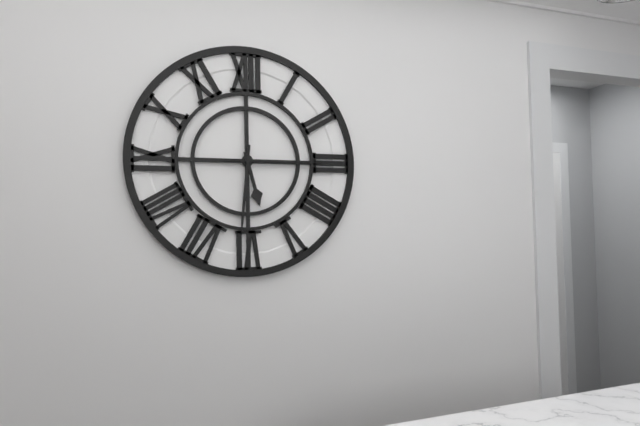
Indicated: 5,31,15
